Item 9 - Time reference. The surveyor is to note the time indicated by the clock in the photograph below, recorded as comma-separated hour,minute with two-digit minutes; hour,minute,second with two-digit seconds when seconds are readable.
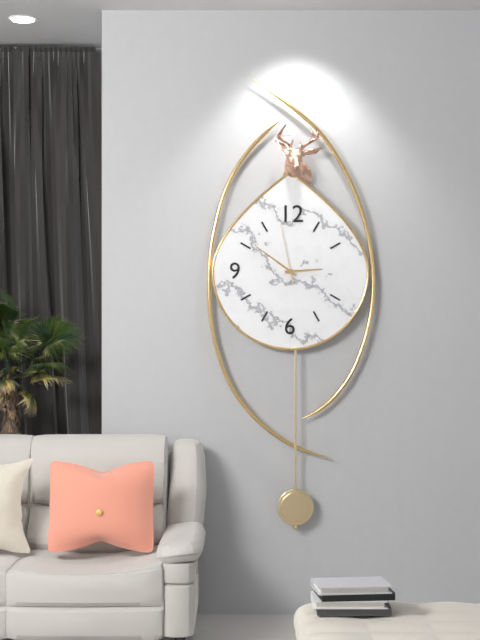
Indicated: 2,51,58
